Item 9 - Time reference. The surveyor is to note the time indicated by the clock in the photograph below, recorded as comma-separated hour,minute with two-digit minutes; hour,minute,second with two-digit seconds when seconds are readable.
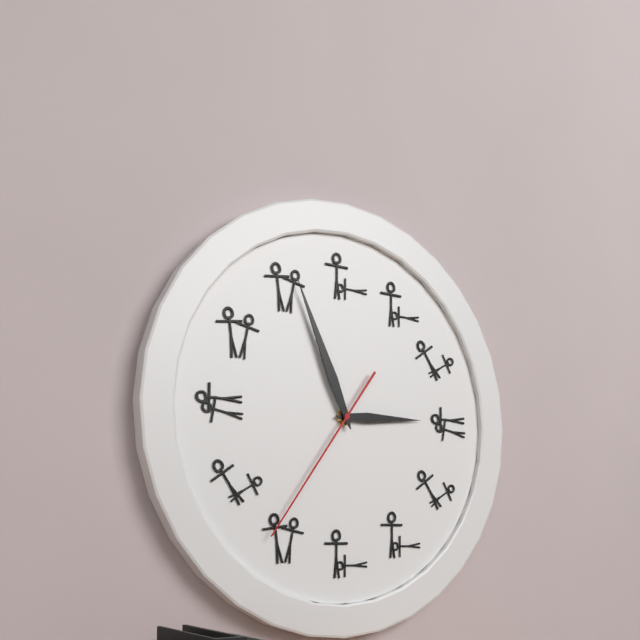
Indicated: 2,56,36
